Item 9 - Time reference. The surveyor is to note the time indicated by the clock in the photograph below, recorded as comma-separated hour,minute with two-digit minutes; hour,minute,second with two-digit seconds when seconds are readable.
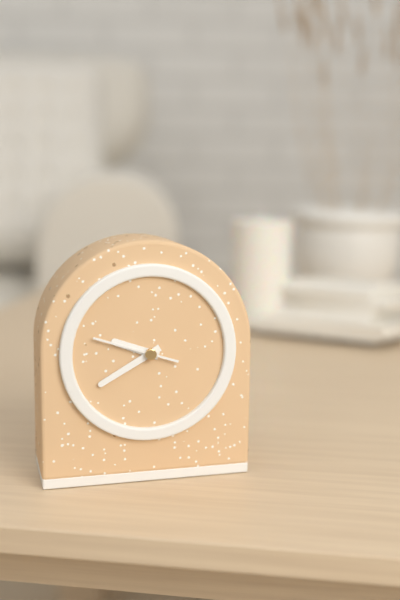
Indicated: 9,40,48
